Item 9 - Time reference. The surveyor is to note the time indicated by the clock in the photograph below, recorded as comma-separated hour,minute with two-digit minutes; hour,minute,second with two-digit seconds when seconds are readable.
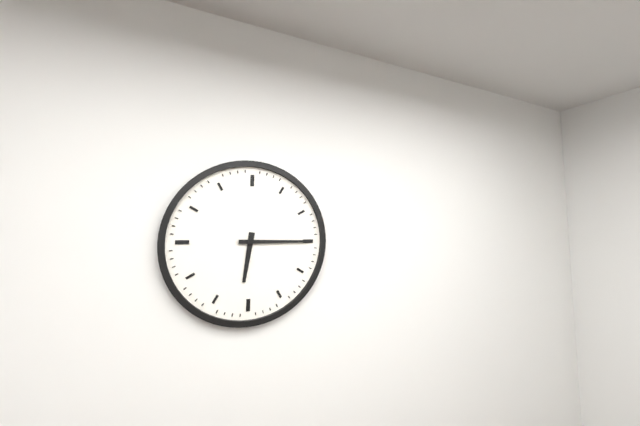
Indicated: 6,15
